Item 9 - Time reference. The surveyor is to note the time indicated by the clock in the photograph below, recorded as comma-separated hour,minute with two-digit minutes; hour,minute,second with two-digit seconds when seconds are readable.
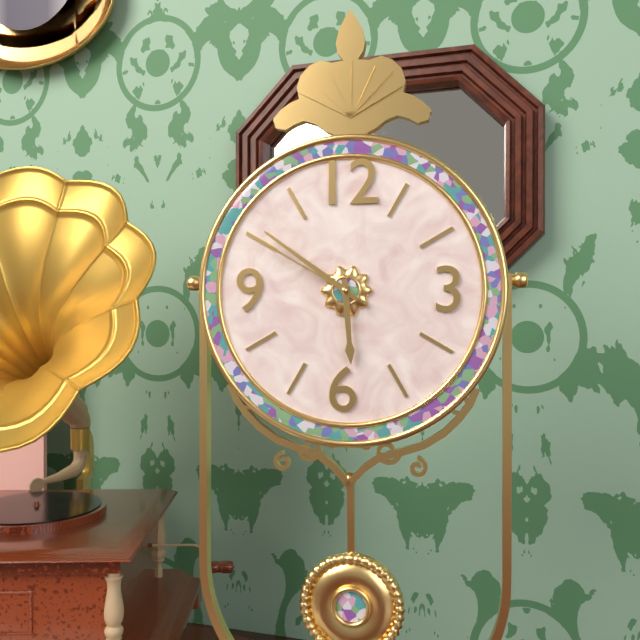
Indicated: 5,51,50
